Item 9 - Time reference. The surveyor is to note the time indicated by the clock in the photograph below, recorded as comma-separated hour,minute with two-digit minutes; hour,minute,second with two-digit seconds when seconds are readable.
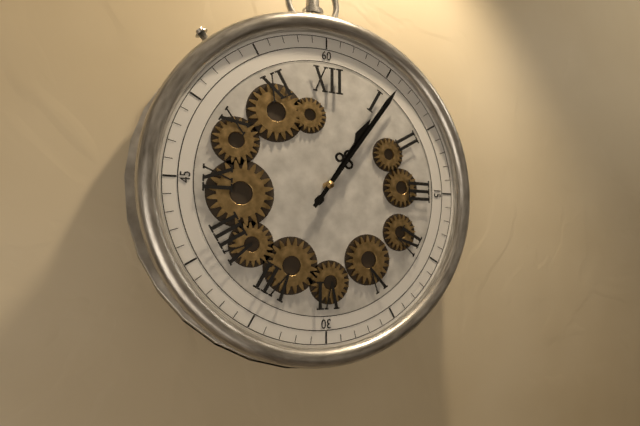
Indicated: 1,06
